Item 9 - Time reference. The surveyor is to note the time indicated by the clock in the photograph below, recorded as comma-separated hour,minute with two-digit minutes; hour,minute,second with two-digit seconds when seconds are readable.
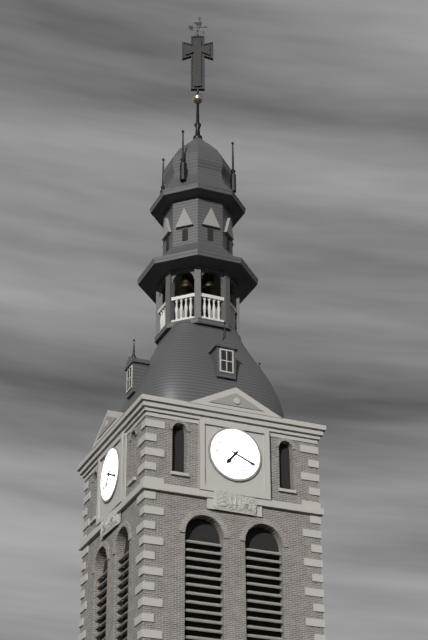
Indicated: 7,19
